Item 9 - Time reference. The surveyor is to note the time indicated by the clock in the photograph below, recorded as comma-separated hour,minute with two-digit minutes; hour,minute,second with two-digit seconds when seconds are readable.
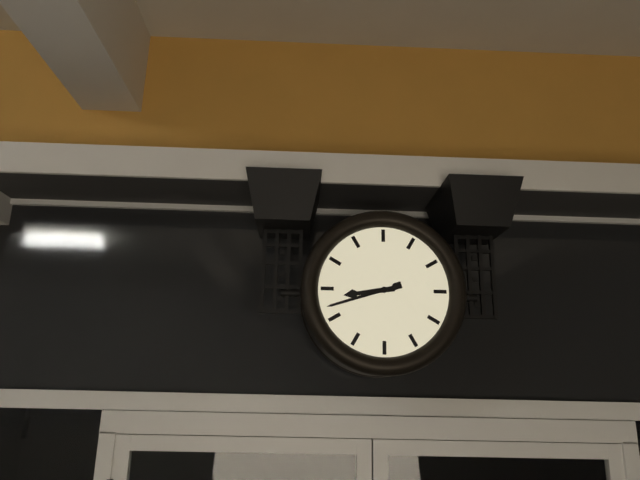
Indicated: 8,42
